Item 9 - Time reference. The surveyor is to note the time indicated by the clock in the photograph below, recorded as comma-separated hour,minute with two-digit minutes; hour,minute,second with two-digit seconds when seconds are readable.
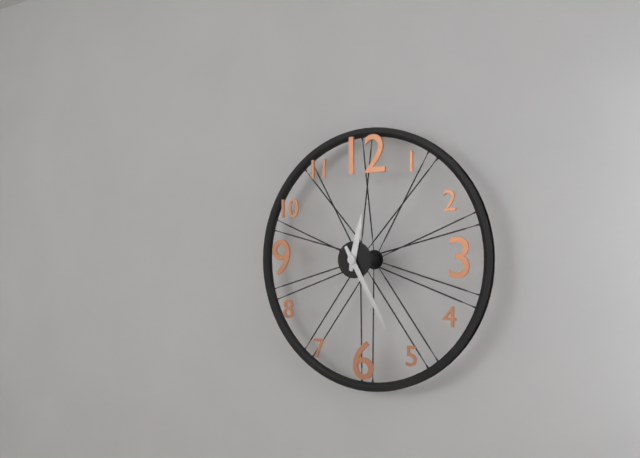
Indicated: 12,25
